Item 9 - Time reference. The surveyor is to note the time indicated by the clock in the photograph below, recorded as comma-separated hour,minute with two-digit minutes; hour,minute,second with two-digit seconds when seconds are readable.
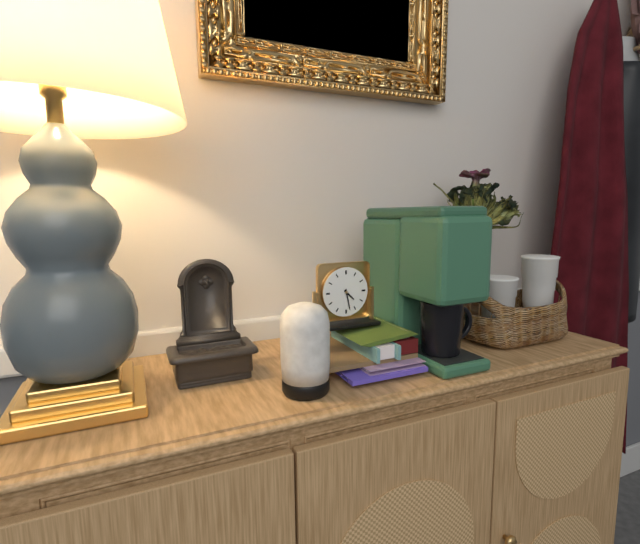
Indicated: 4,28
